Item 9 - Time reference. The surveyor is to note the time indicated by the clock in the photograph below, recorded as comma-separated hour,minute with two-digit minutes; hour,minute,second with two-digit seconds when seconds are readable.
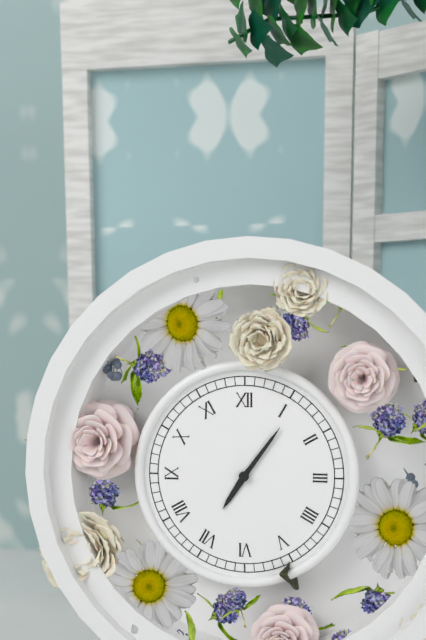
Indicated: 7,06
